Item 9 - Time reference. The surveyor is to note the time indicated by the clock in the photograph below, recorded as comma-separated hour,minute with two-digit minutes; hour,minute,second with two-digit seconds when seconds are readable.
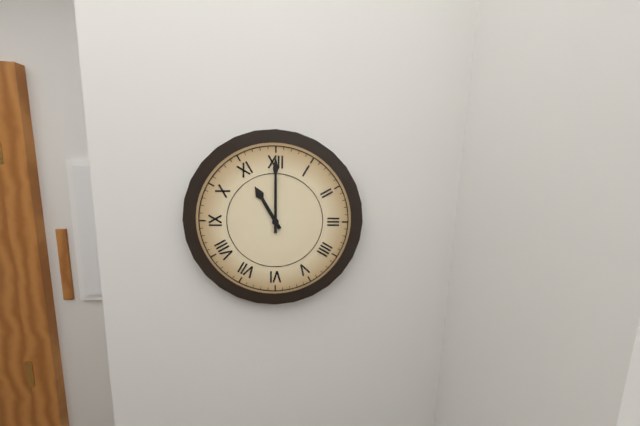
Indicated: 11,00
